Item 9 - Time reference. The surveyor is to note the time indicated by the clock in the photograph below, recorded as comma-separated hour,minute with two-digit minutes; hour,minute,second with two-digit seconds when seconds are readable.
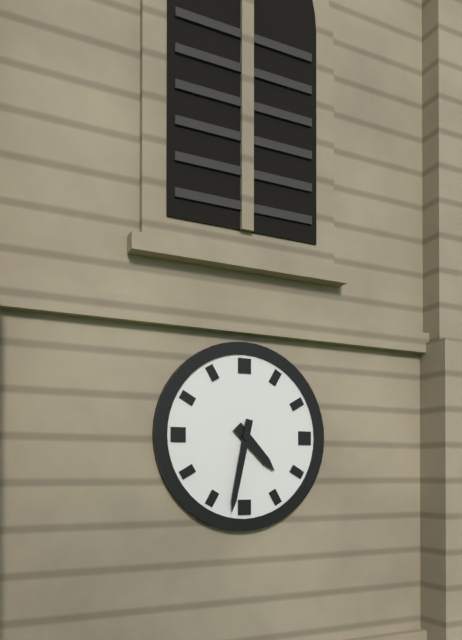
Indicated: 4,32
